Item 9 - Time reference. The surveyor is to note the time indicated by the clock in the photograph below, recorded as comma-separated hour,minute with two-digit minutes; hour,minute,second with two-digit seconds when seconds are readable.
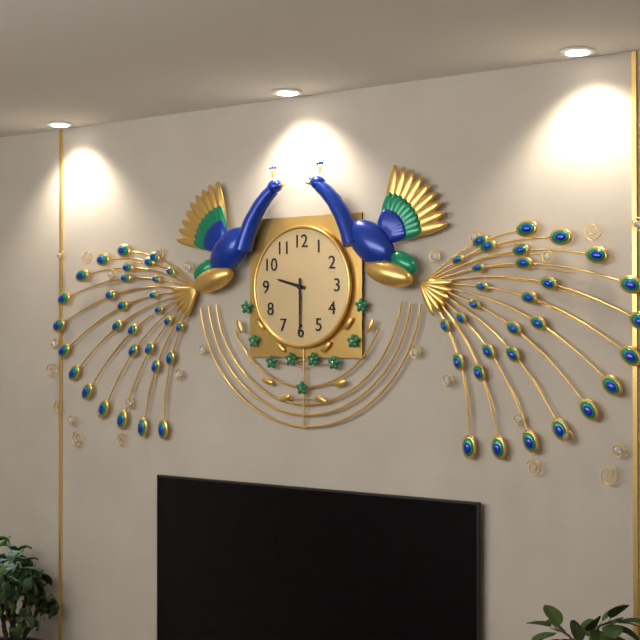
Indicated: 9,30
